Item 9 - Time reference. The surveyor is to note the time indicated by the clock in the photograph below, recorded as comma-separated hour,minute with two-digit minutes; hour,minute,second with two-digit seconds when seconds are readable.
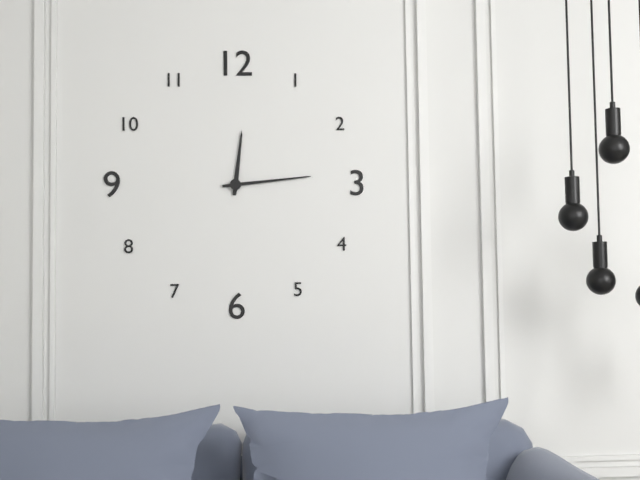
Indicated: 12,14
